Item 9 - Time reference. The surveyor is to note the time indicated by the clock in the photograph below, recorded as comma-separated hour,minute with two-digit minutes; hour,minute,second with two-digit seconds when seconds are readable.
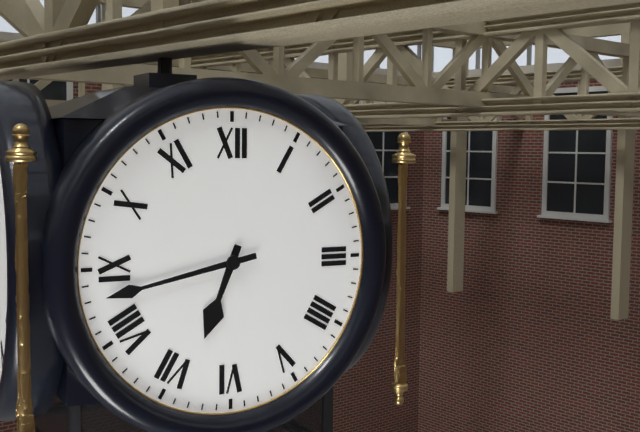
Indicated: 6,43
